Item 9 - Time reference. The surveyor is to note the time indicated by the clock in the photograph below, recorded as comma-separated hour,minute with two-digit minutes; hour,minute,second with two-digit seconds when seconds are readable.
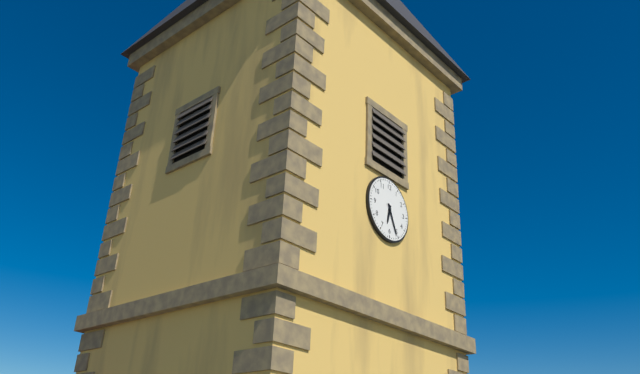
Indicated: 6,26
